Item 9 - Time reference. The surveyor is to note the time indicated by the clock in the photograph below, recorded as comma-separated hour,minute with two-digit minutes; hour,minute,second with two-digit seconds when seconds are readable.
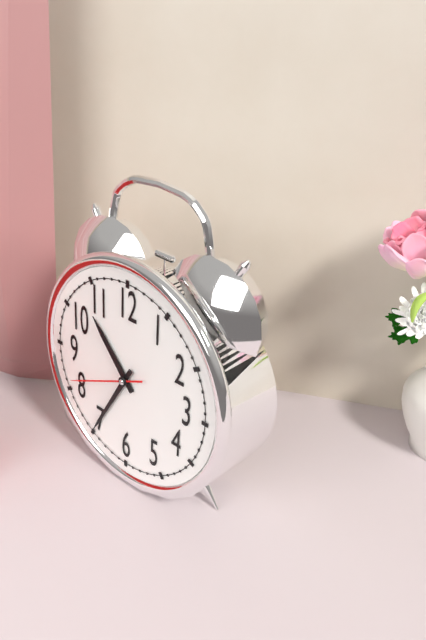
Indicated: 10,35,41
